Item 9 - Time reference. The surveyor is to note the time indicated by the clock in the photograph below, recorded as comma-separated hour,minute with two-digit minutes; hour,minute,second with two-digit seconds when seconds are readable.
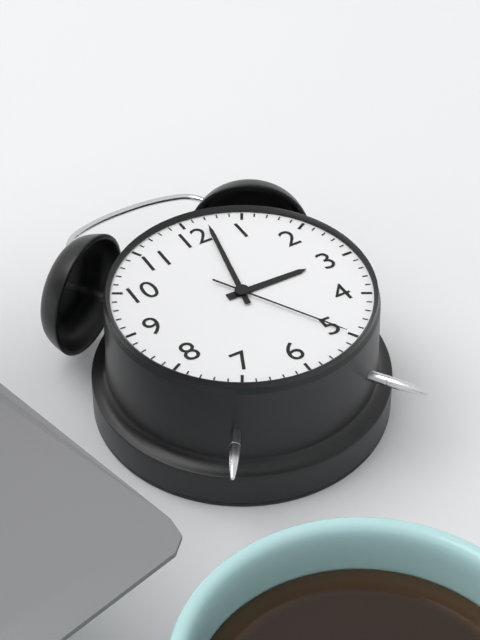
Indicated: 3,02,25
